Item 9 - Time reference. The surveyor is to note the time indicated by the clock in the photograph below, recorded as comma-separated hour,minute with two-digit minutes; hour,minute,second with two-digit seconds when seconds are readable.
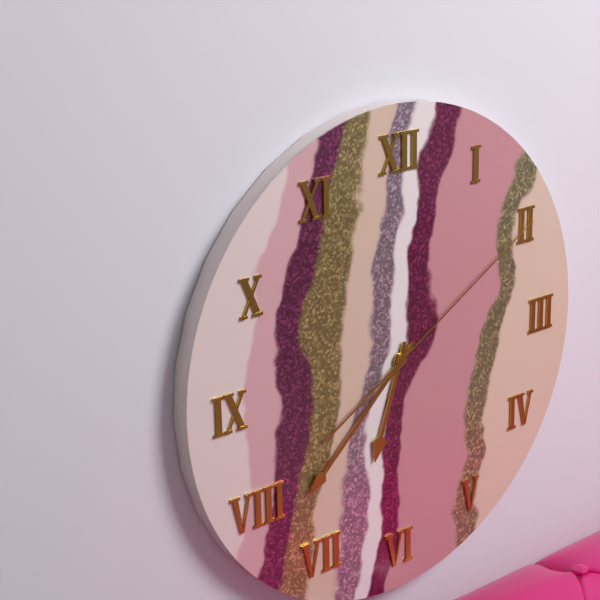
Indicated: 6,38,10
